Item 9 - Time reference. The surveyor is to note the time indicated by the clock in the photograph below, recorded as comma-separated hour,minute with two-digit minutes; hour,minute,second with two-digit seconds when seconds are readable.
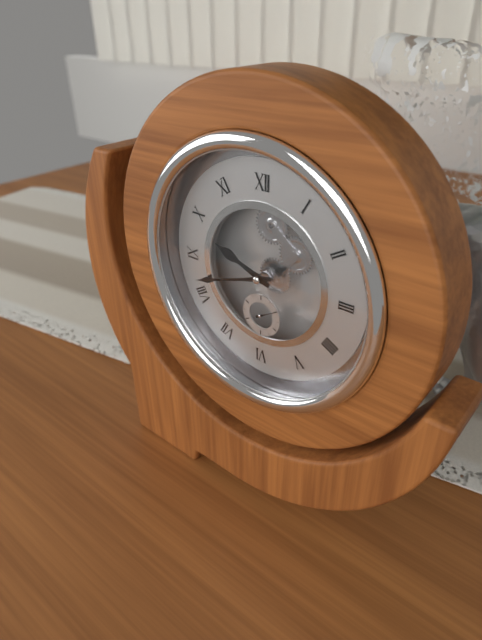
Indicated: 9,42
